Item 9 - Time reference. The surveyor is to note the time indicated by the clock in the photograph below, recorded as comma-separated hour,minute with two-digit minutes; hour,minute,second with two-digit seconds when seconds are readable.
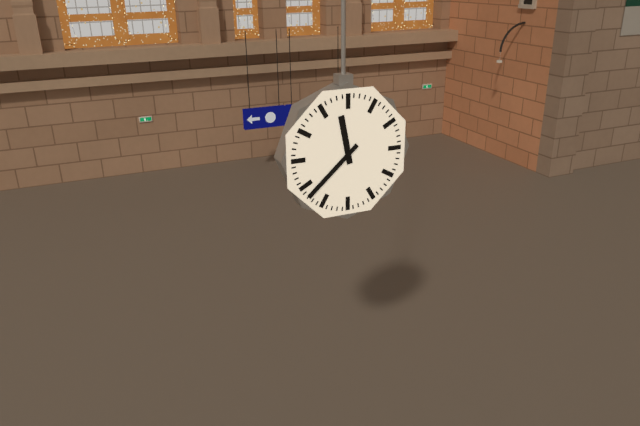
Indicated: 11,38
